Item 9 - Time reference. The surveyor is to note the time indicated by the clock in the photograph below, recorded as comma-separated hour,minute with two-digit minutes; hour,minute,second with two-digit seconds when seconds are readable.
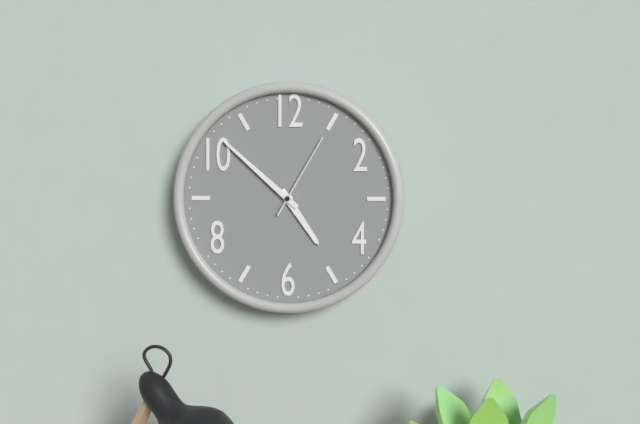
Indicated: 4,52,05
